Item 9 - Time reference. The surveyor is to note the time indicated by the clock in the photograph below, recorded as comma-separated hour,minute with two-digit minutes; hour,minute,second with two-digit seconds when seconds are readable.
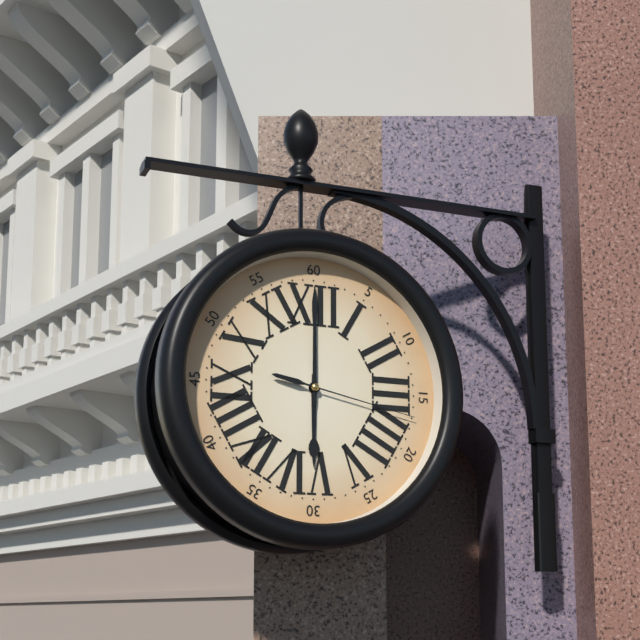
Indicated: 6,00,17
